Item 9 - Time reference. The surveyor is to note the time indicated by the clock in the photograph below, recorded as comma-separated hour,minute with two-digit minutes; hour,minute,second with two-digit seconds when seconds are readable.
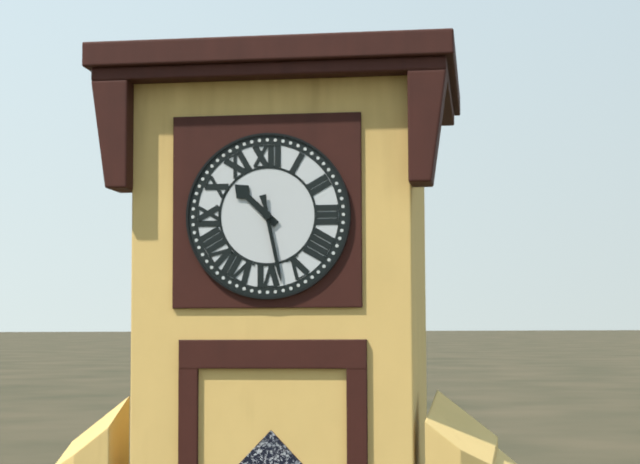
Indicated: 10,28
